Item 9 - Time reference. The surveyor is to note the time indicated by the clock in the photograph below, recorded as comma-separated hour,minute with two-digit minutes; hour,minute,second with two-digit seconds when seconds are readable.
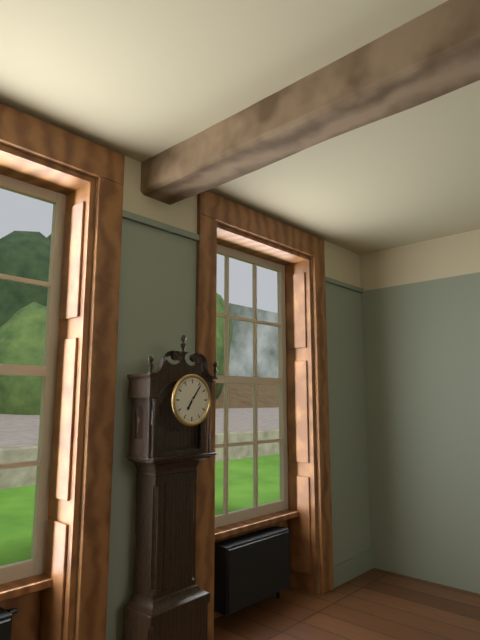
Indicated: 7,06
